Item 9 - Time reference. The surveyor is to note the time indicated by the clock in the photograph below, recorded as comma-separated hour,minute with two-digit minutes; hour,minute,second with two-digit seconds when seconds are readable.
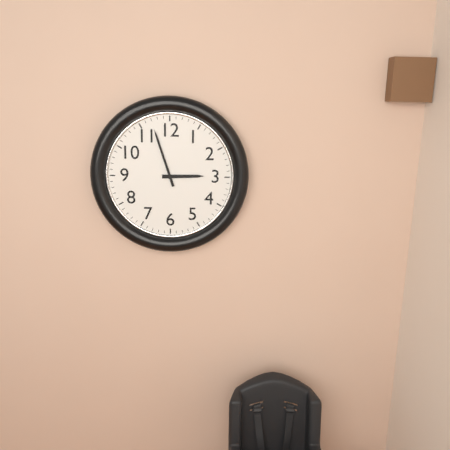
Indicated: 2,57
